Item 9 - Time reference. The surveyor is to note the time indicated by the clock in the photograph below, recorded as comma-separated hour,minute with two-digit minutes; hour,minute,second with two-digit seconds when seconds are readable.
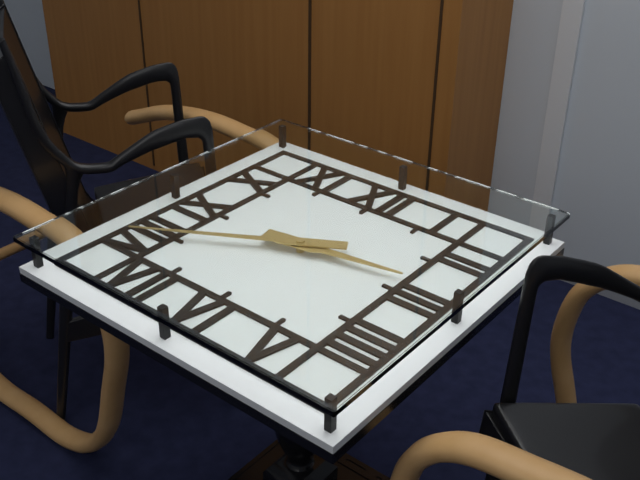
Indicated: 2,40
